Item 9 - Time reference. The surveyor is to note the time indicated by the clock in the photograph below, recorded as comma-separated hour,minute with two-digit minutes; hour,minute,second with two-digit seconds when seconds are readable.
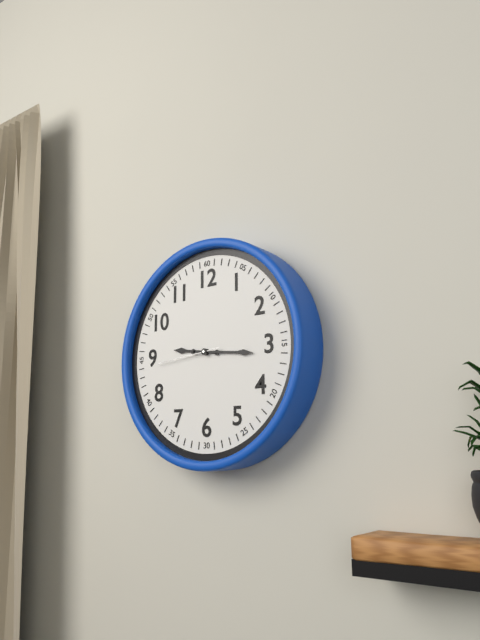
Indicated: 9,16,44
